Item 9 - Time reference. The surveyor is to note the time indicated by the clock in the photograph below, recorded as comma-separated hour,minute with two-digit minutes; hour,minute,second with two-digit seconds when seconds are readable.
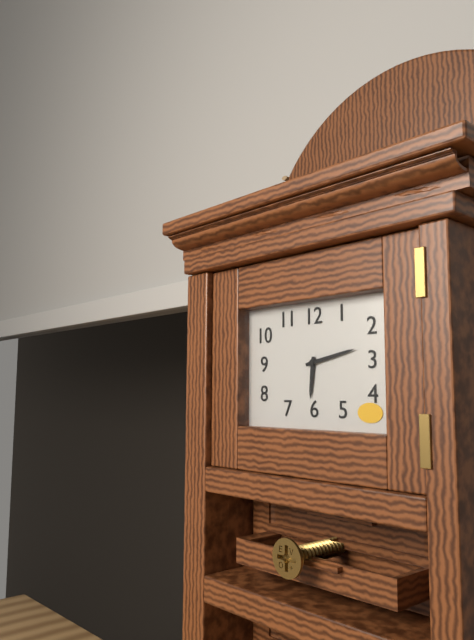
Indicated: 6,13
